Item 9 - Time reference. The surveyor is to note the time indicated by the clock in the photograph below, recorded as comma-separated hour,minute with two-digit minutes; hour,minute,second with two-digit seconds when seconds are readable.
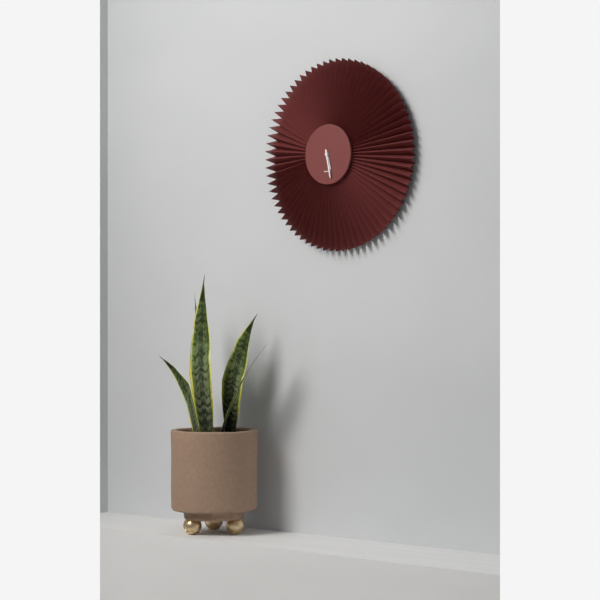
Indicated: 5,28
